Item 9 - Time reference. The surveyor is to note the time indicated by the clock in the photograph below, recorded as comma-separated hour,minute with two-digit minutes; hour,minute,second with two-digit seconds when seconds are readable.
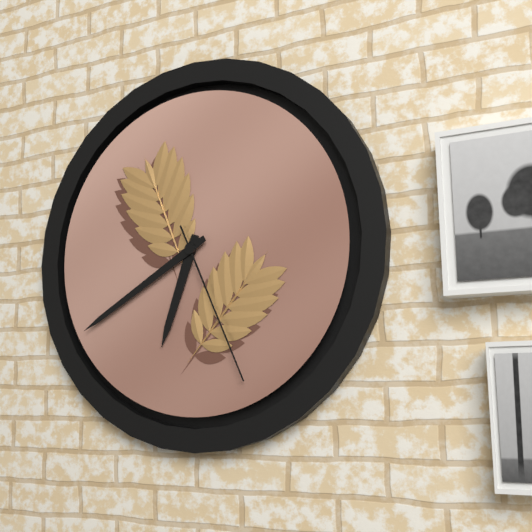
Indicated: 6,40,26
